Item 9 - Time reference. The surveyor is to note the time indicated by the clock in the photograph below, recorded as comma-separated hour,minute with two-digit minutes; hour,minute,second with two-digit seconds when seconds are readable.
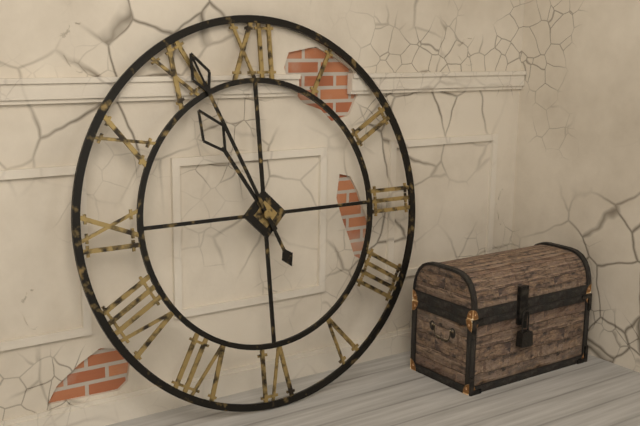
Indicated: 10,56
